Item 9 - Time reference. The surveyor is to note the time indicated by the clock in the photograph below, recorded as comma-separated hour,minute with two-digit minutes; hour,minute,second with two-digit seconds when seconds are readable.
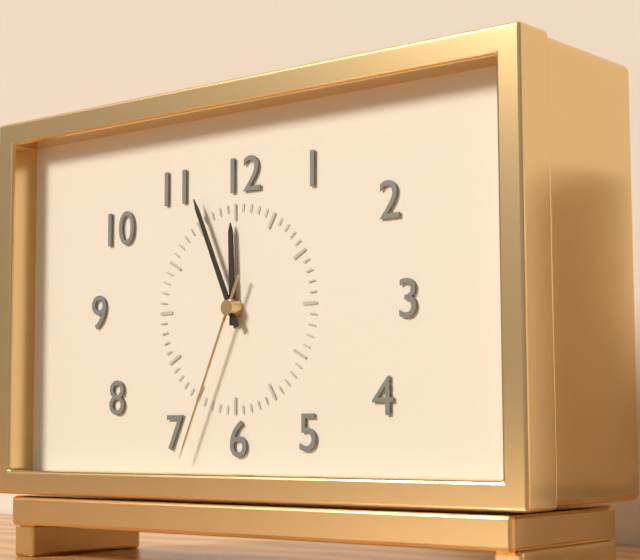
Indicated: 11,56,34
